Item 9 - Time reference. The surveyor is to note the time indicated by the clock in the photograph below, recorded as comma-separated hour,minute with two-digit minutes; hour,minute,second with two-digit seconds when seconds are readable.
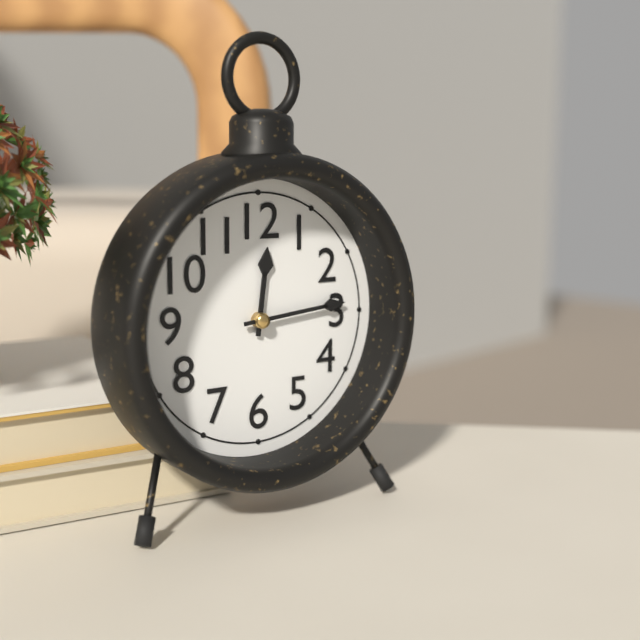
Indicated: 12,14
